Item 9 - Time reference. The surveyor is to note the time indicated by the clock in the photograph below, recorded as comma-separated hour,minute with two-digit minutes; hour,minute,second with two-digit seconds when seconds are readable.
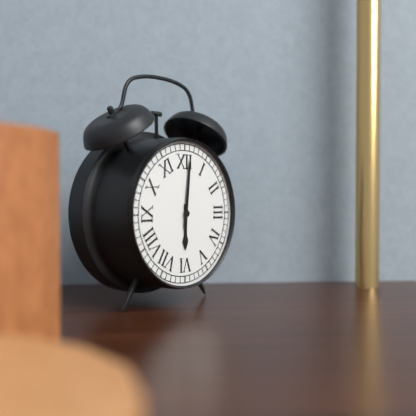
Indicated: 6,01
